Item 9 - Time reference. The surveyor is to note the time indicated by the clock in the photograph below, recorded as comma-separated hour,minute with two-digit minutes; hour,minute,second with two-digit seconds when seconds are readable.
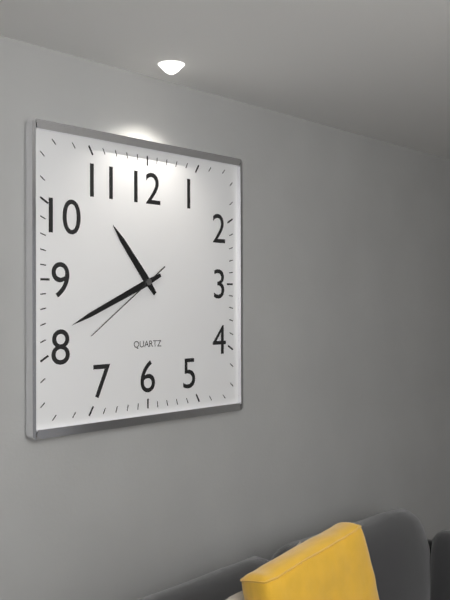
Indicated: 10,41,39
